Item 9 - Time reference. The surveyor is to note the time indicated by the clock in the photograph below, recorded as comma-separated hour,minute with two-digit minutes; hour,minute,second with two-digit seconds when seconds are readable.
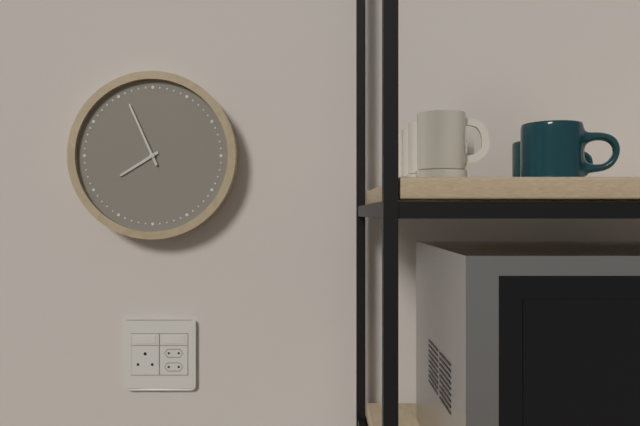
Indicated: 7,56
